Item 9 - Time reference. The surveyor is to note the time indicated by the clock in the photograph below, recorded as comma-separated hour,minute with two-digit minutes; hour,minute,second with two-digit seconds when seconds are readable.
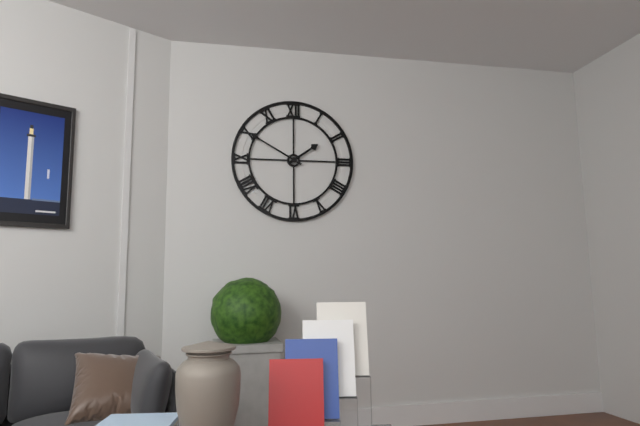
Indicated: 1,50
